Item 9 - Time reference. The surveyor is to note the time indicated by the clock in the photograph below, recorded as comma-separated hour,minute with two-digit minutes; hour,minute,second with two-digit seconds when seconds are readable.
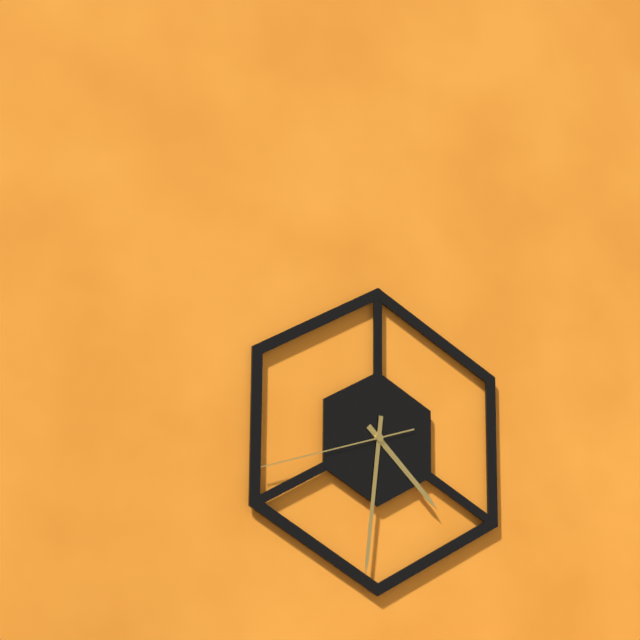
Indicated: 4,31,42
